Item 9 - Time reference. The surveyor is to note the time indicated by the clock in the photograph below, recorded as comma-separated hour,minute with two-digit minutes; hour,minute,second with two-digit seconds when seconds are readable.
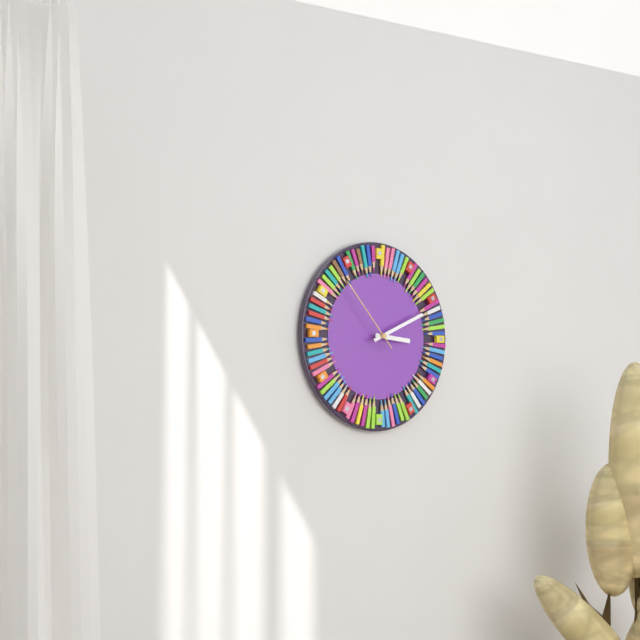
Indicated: 3,11,53
